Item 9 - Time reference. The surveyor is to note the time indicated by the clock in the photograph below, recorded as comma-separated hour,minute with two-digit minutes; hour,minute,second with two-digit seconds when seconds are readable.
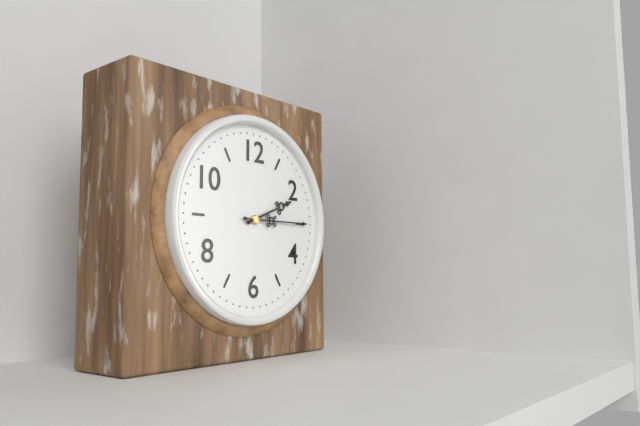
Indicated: 2,15
